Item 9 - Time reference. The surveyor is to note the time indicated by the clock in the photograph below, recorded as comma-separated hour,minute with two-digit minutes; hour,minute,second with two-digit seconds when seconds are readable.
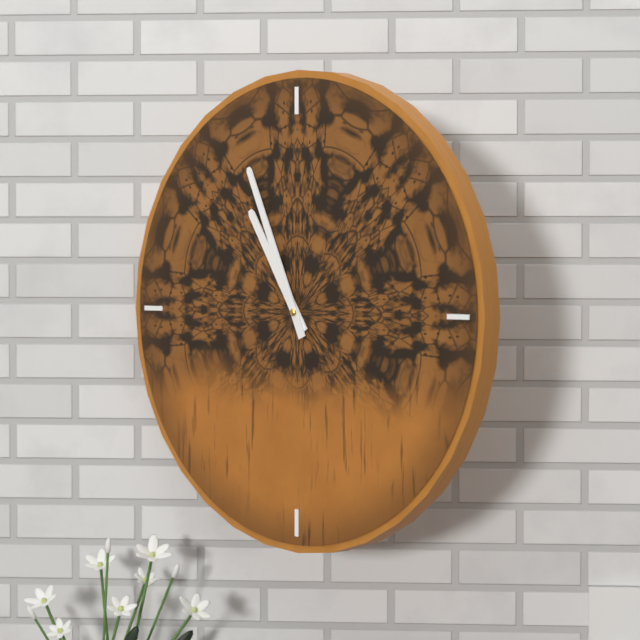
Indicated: 10,56
